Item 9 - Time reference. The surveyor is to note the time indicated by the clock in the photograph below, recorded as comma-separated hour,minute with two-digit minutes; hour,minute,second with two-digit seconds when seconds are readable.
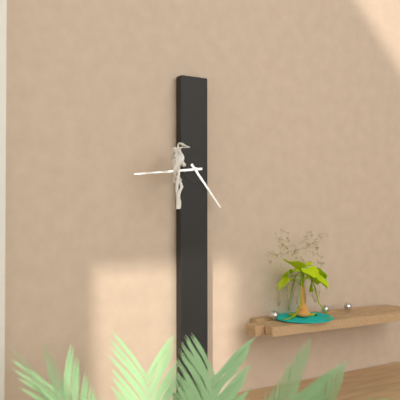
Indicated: 4,44
